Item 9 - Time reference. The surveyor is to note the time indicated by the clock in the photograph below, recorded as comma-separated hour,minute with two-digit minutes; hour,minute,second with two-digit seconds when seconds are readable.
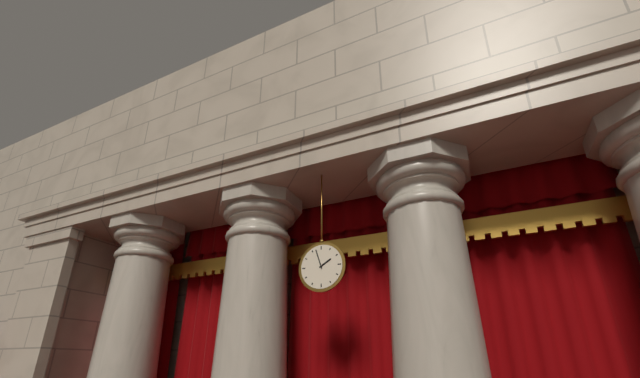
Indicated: 1,57
